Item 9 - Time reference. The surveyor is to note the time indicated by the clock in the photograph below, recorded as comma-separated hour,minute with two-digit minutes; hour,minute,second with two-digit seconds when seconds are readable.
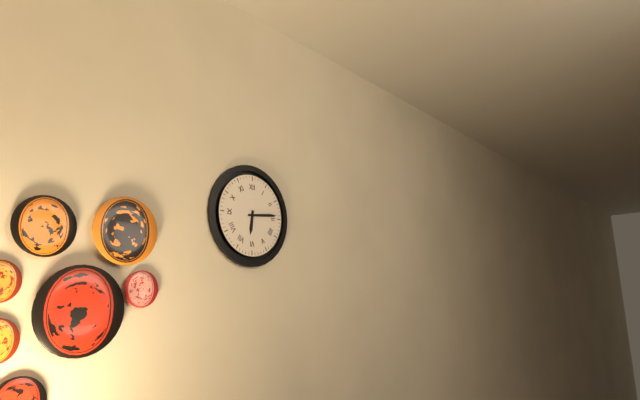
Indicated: 6,14
